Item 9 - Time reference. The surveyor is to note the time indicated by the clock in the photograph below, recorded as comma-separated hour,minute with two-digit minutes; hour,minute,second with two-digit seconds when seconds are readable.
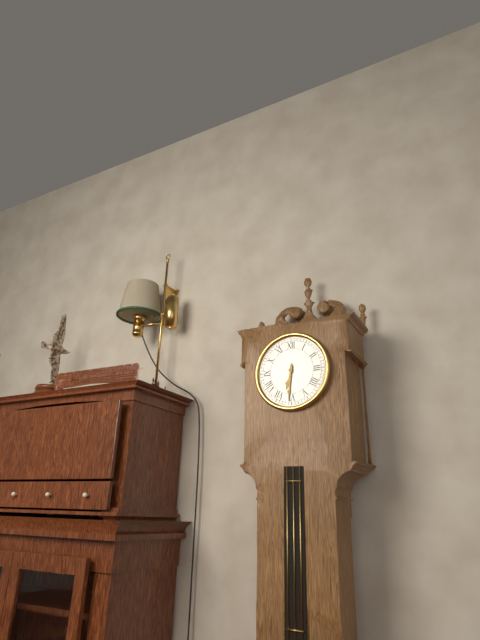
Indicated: 6,31
